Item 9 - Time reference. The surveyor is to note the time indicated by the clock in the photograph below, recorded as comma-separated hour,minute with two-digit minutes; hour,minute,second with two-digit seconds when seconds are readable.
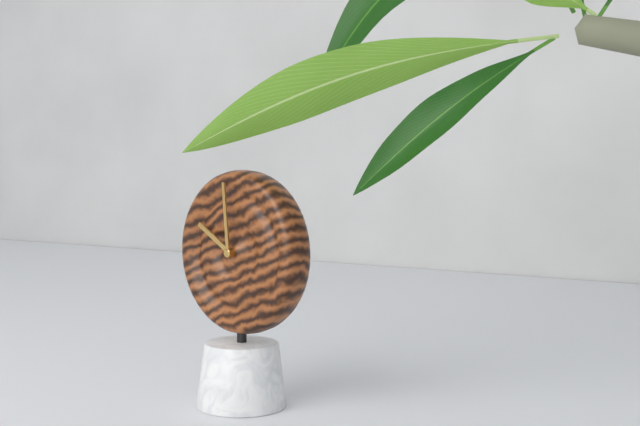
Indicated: 9,59
